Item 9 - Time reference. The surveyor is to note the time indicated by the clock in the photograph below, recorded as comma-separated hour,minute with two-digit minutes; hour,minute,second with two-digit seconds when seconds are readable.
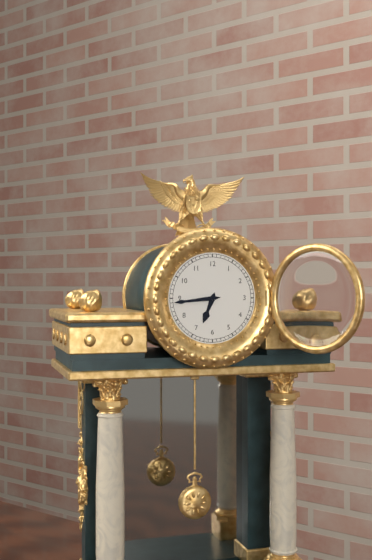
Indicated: 6,44
